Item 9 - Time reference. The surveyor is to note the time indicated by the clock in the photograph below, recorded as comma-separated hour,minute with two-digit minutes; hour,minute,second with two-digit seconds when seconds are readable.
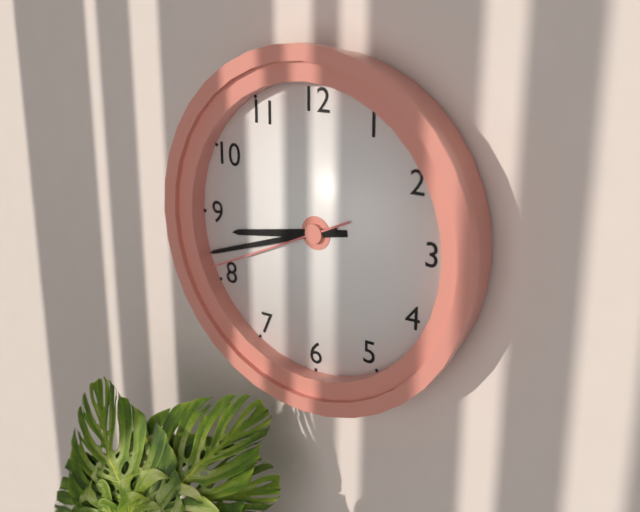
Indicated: 8,42,41
